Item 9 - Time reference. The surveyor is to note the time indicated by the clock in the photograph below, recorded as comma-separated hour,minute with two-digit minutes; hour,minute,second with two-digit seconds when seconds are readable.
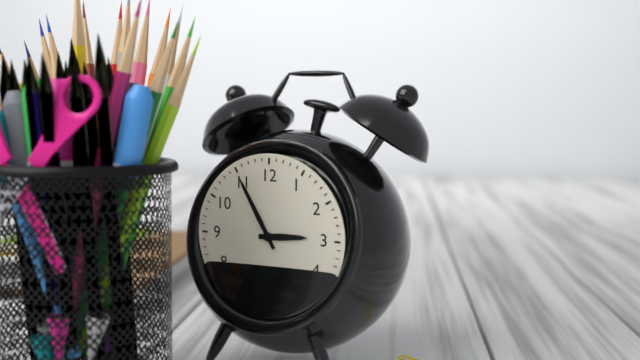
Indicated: 2,55
